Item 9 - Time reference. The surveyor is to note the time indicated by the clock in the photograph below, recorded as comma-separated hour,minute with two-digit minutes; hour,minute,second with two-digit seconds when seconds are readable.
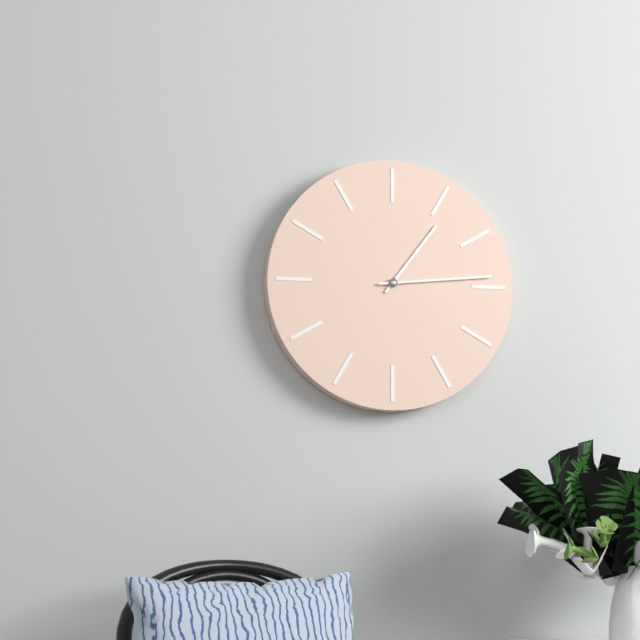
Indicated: 1,14
